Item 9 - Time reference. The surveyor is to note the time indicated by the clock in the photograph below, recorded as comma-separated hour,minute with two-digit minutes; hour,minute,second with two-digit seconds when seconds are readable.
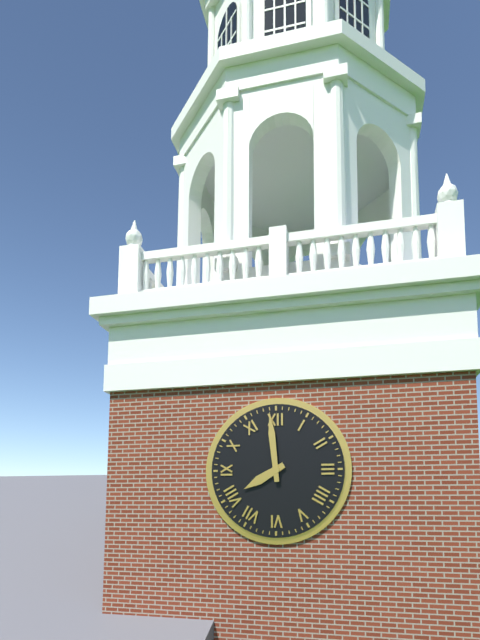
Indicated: 7,59
